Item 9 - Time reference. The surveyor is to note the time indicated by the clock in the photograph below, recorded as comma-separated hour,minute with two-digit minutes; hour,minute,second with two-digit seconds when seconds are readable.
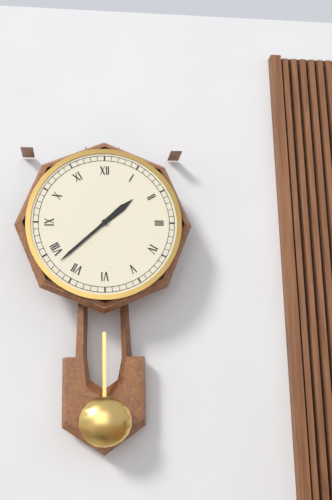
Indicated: 1,38
